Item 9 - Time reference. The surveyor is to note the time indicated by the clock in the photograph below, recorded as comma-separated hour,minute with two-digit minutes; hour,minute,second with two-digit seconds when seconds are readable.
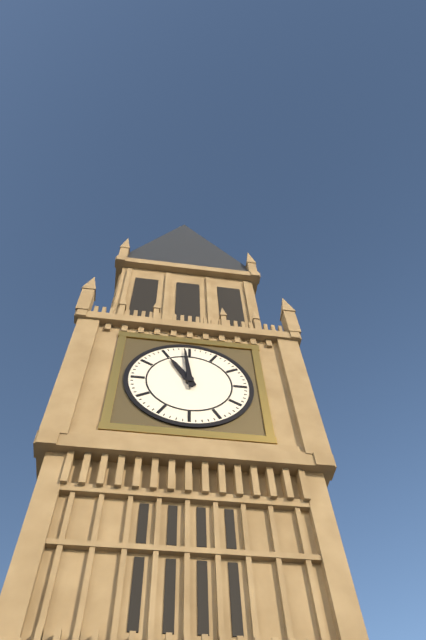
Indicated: 10,59
